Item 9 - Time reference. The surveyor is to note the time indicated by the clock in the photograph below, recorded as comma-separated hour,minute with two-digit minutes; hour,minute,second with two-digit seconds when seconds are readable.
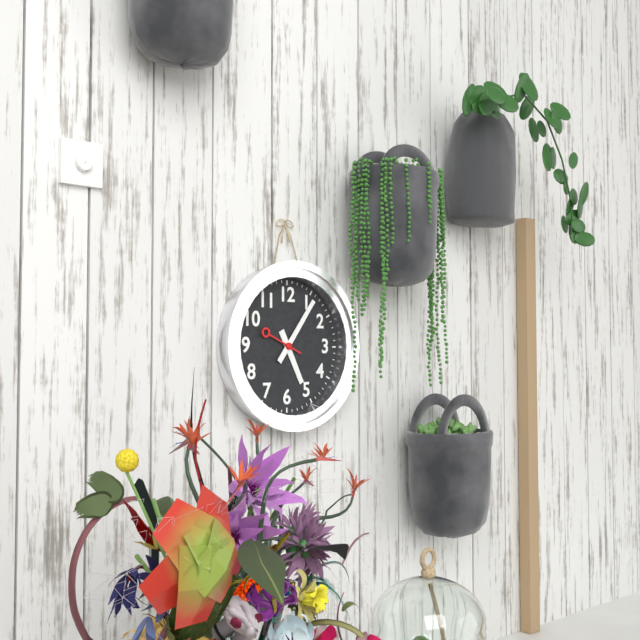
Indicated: 5,06
